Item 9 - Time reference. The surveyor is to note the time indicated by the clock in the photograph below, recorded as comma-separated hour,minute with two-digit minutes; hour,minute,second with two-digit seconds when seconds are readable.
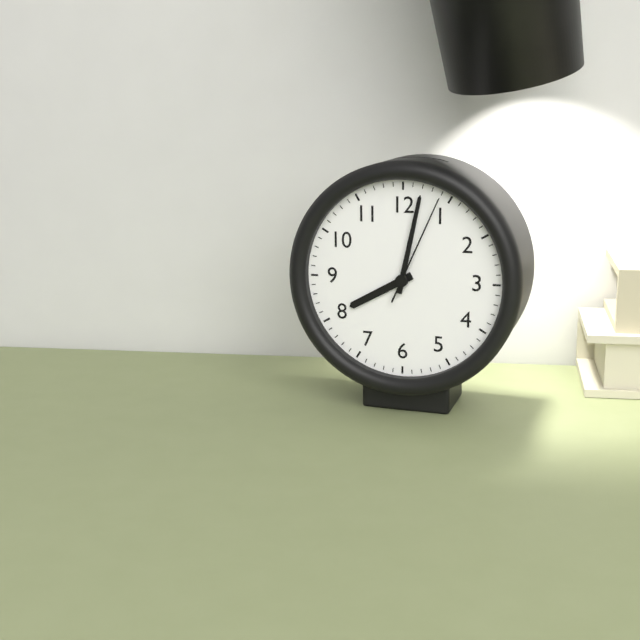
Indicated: 8,02,04
